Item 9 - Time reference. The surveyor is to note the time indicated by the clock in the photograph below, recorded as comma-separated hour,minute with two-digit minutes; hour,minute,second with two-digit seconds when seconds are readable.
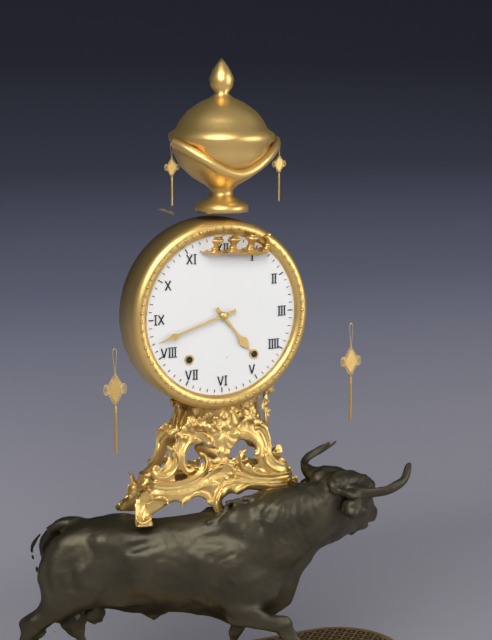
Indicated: 4,42
